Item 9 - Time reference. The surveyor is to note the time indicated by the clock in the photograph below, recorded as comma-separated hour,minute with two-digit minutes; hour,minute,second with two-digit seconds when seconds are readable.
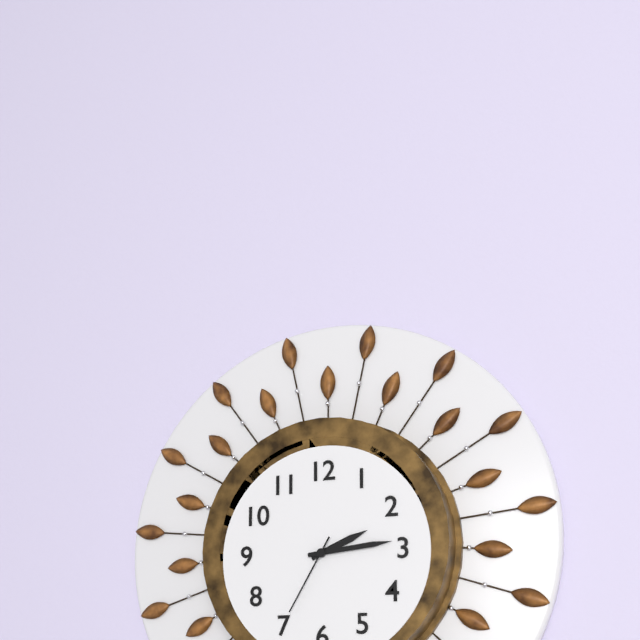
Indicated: 2,14,35
